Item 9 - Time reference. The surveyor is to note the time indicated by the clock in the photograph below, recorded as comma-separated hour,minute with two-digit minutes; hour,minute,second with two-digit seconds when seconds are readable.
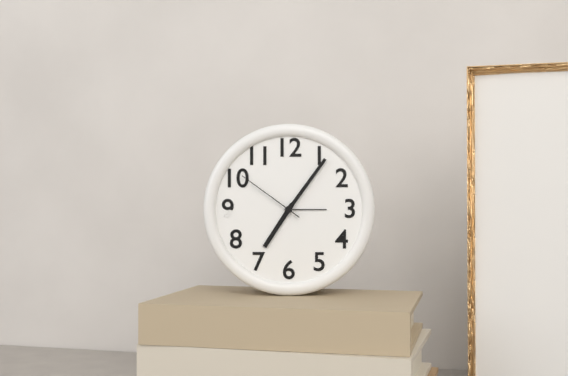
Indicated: 7,06,51
